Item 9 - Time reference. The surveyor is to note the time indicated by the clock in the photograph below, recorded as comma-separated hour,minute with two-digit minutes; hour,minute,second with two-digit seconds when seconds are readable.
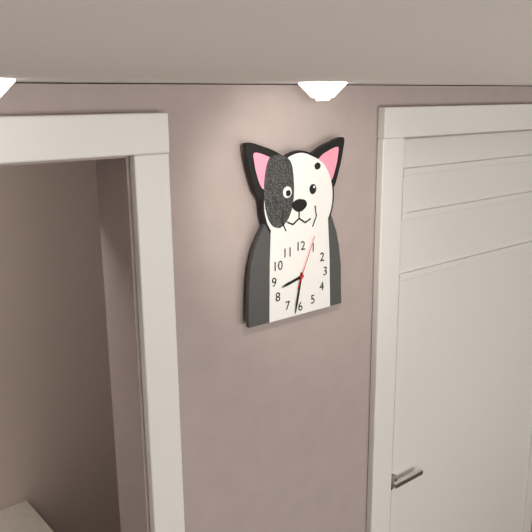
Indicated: 8,32,04
